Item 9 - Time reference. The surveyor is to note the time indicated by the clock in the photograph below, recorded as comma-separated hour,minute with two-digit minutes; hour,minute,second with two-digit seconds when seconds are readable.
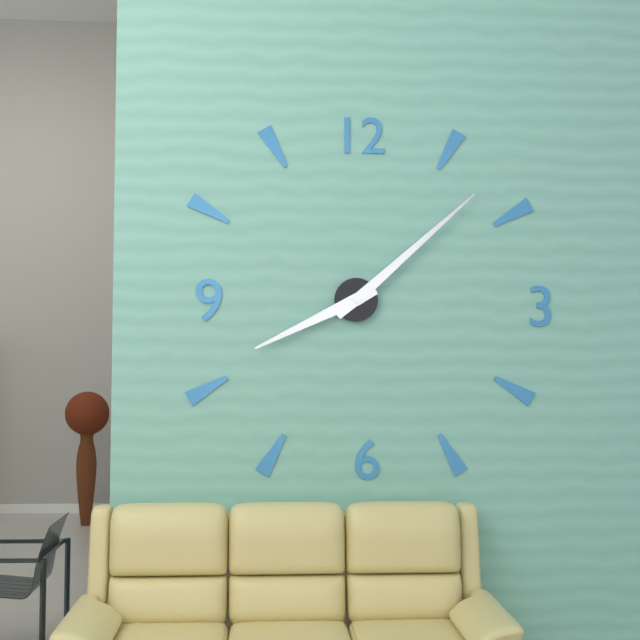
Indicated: 8,08
